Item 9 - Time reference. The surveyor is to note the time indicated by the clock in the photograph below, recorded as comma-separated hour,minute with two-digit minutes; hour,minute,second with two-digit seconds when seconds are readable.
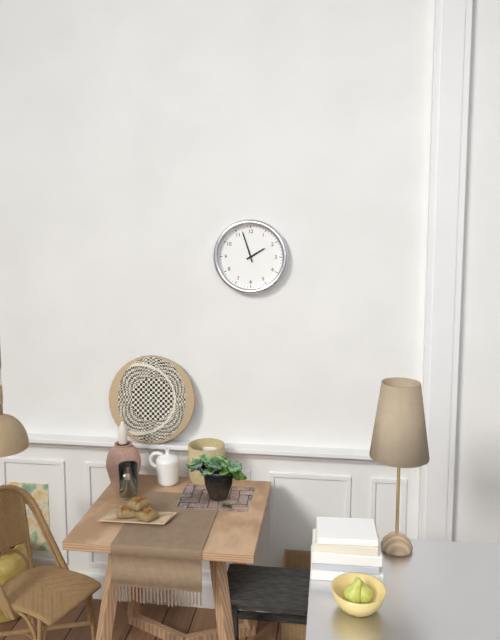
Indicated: 1,57
